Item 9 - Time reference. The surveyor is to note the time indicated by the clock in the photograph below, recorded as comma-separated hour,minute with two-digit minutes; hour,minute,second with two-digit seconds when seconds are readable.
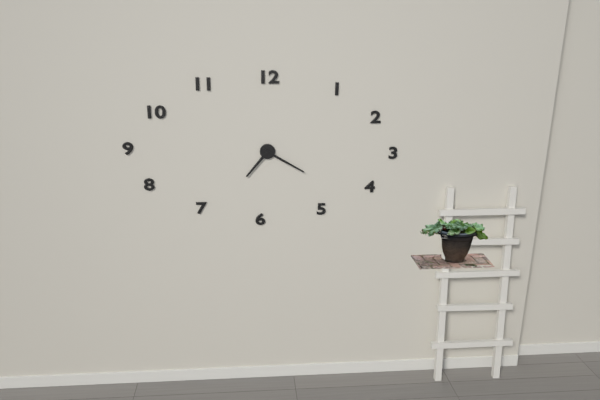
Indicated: 7,20
